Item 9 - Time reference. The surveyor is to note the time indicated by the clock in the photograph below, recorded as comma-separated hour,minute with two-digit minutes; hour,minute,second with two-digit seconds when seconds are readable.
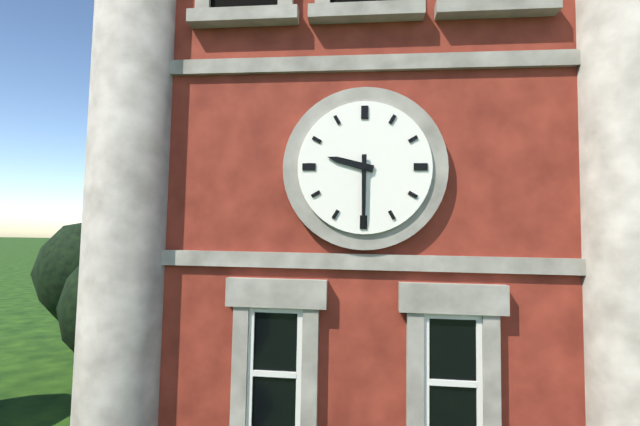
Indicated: 9,30
